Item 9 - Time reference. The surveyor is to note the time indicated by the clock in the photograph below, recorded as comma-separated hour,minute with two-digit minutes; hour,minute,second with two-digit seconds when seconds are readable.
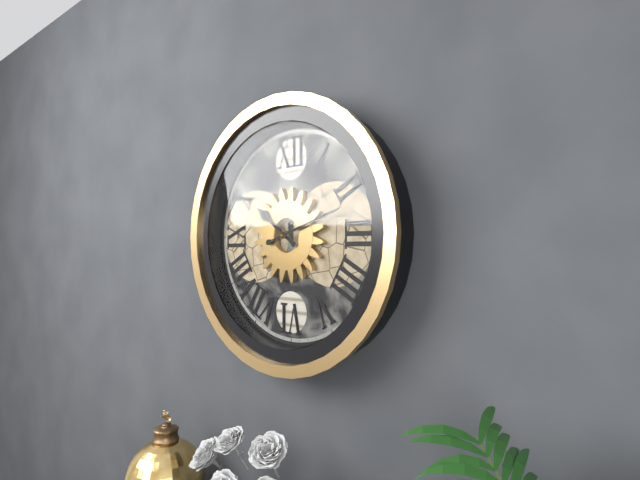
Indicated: 10,12
